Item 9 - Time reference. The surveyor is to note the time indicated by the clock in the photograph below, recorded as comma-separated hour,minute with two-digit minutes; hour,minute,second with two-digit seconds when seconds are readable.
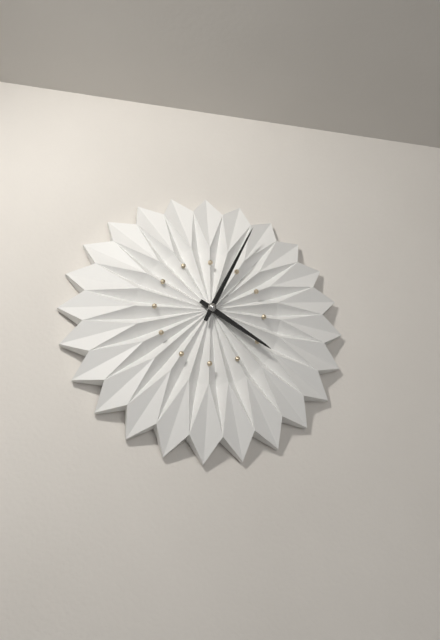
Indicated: 4,04
